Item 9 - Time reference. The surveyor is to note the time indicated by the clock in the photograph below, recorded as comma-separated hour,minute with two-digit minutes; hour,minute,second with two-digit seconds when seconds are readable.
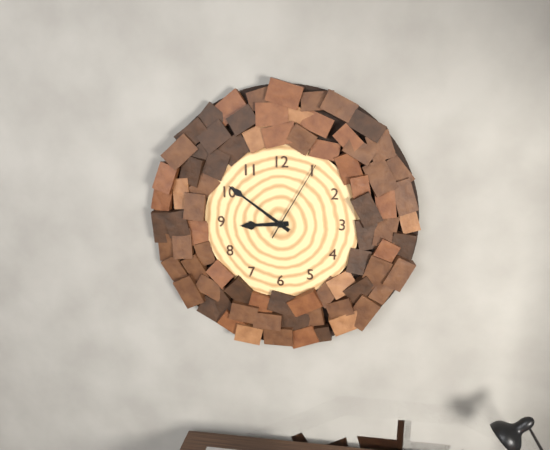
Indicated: 8,51,05
